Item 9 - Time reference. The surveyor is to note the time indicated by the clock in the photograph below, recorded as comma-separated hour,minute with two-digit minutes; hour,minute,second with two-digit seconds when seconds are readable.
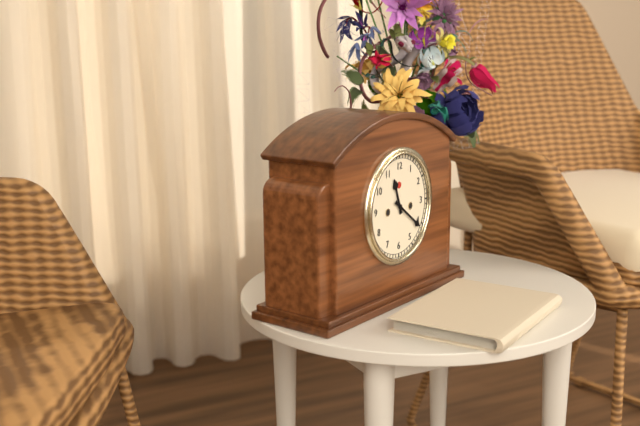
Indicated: 11,21
